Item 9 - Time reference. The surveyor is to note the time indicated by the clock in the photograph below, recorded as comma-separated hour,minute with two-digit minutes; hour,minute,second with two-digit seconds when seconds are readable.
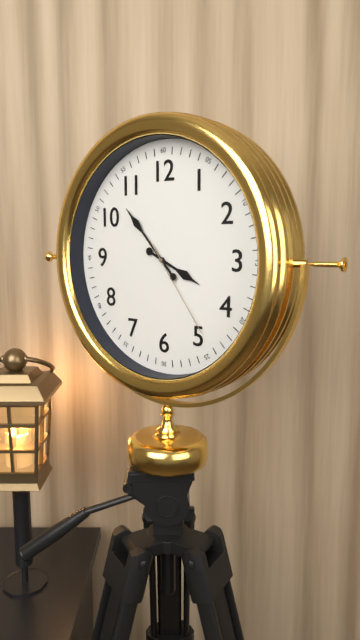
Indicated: 3,53,24
